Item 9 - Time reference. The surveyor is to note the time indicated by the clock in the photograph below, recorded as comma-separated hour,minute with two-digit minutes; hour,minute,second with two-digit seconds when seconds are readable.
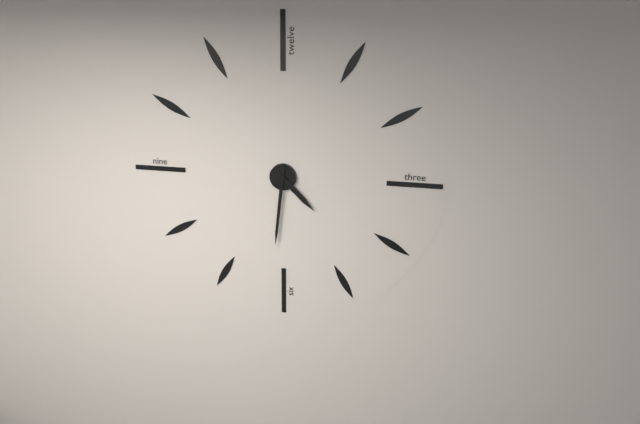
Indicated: 4,31
